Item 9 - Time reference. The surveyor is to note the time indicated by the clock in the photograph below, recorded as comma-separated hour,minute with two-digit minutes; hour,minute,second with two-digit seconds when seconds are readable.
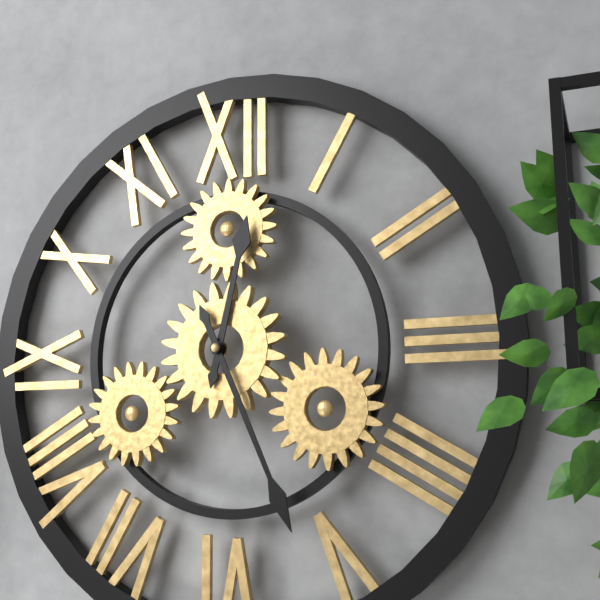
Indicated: 12,26
